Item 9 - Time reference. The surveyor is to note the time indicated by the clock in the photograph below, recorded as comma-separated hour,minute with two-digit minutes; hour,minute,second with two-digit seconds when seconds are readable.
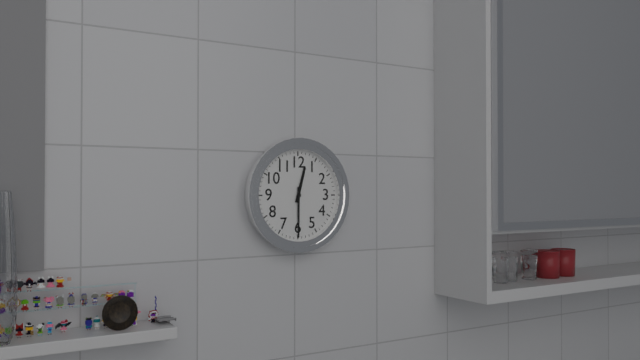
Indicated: 12,30
